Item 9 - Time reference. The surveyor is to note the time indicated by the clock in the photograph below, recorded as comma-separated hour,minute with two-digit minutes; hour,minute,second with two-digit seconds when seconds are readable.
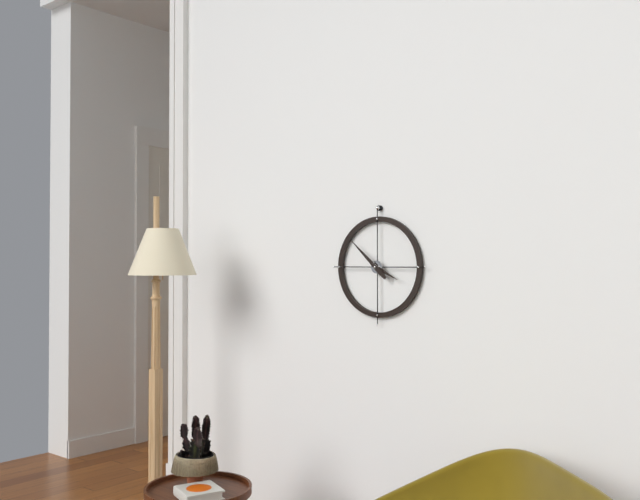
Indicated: 3,52
